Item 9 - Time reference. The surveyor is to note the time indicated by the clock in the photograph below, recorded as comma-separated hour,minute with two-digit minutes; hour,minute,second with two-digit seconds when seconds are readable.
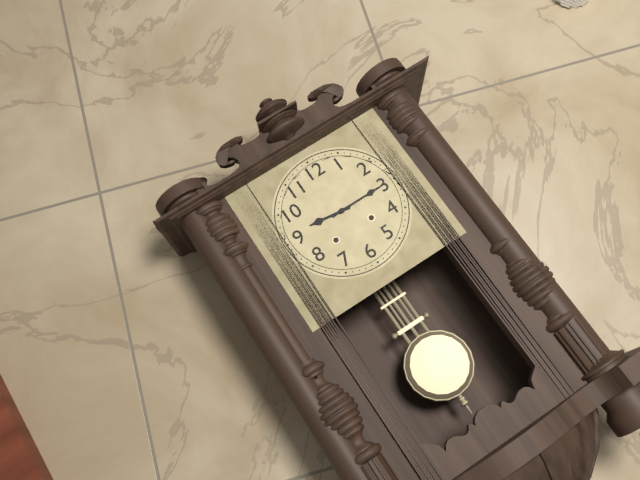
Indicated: 9,15
